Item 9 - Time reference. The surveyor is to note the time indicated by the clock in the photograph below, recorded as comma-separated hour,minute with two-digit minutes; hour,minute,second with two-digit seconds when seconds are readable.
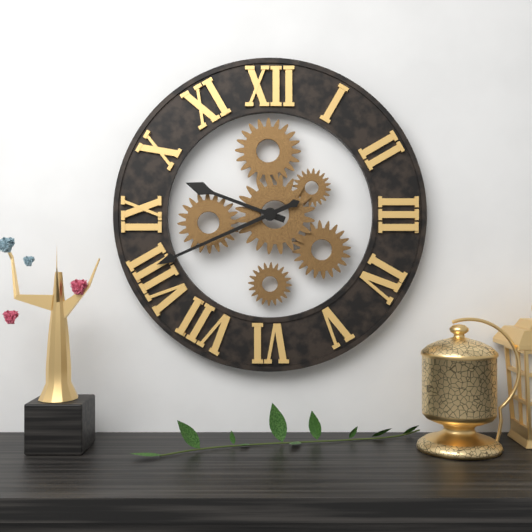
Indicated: 9,41
